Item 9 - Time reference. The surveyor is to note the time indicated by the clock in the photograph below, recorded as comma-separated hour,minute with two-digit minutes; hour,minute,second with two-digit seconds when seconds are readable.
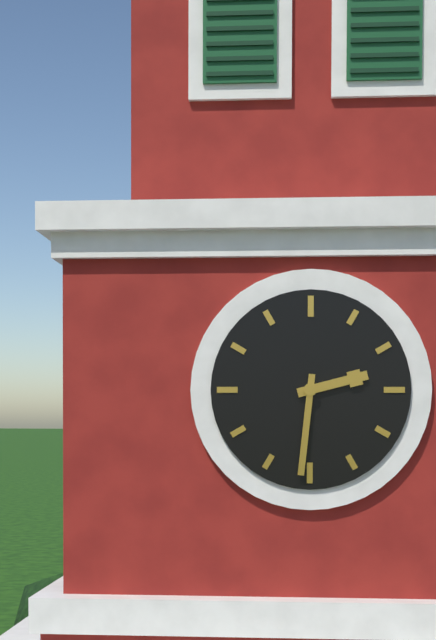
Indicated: 2,31
